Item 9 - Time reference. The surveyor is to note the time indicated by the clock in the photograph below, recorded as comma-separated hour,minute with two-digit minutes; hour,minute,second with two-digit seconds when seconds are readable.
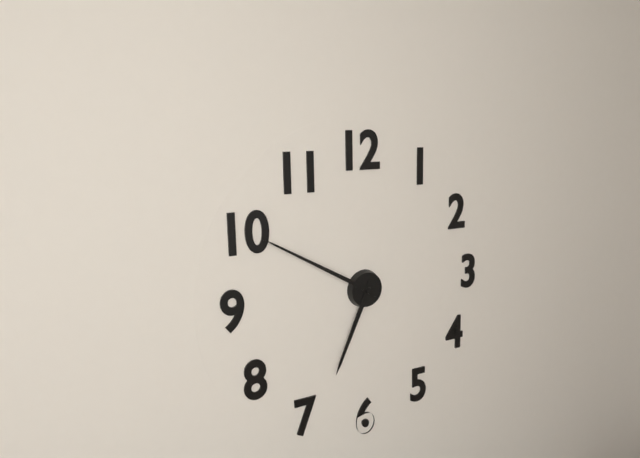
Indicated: 6,50
